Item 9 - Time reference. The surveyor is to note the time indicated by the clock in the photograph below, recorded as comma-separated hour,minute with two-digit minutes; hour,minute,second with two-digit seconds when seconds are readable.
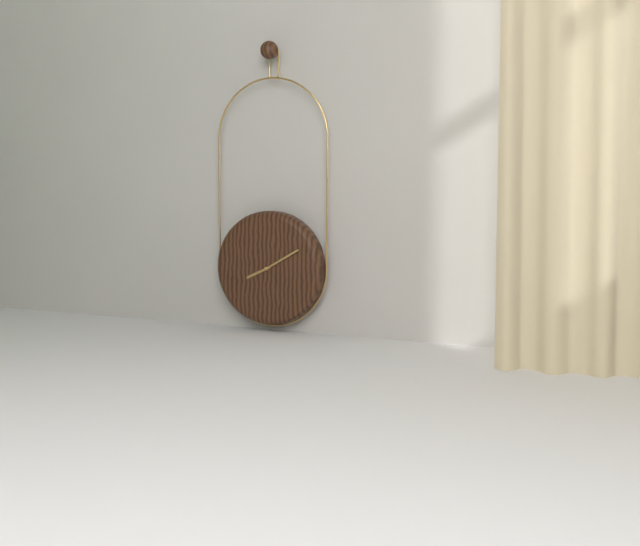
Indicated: 8,10
